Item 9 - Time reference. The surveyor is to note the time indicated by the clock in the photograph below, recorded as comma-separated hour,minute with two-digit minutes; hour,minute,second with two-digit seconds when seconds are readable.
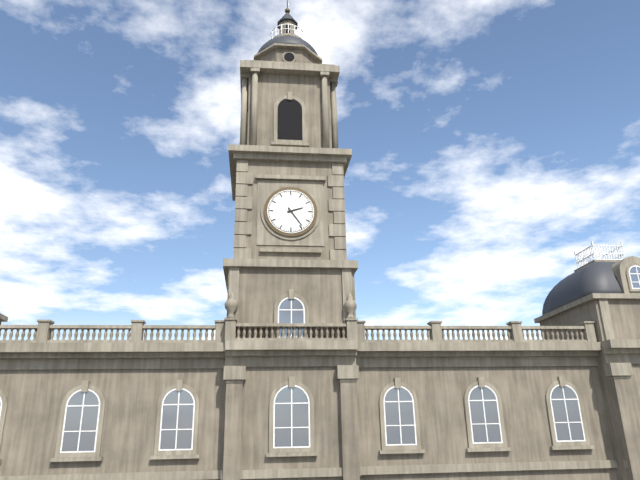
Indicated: 2,24
